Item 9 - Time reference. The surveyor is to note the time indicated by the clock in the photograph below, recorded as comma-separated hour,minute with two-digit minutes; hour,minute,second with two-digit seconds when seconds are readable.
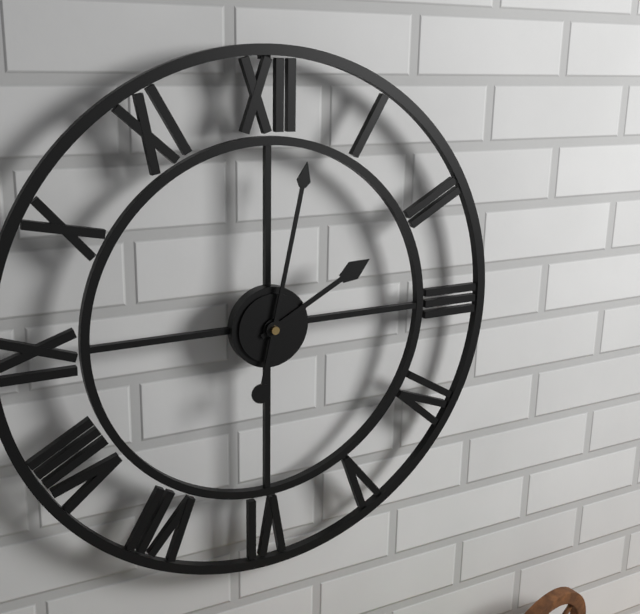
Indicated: 2,02
